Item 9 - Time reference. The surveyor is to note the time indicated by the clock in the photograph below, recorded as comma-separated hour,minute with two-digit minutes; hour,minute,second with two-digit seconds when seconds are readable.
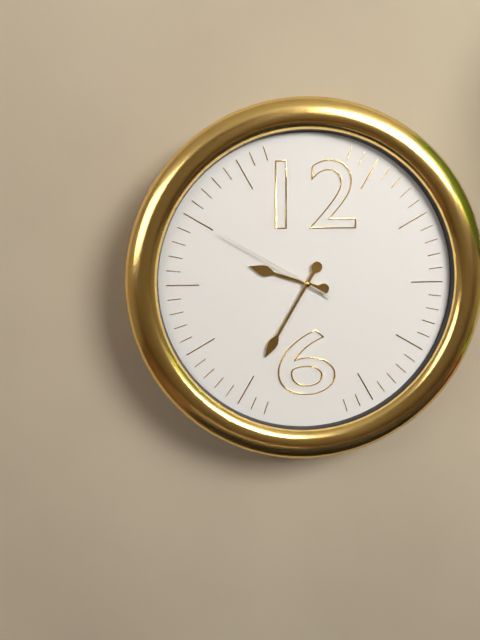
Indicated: 9,35,50
